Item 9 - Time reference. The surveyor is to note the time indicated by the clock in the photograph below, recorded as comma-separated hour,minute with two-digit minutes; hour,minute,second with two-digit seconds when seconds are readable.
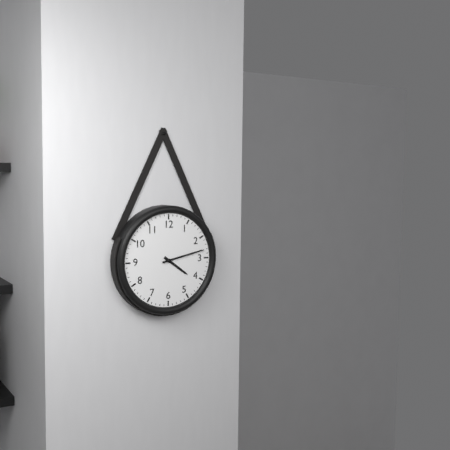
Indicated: 4,13
